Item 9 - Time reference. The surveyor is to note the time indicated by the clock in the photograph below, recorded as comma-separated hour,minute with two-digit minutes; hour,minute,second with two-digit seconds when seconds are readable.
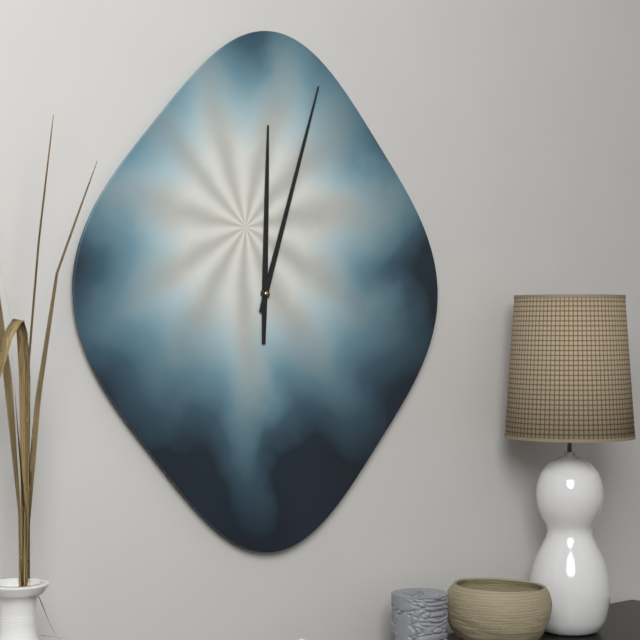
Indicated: 12,03
